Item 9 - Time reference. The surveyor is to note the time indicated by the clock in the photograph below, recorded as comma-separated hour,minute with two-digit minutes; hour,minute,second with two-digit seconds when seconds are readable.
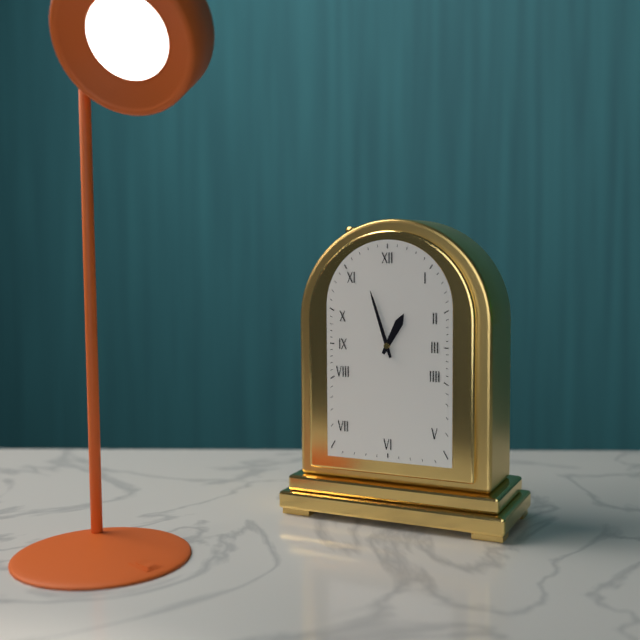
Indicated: 12,57
